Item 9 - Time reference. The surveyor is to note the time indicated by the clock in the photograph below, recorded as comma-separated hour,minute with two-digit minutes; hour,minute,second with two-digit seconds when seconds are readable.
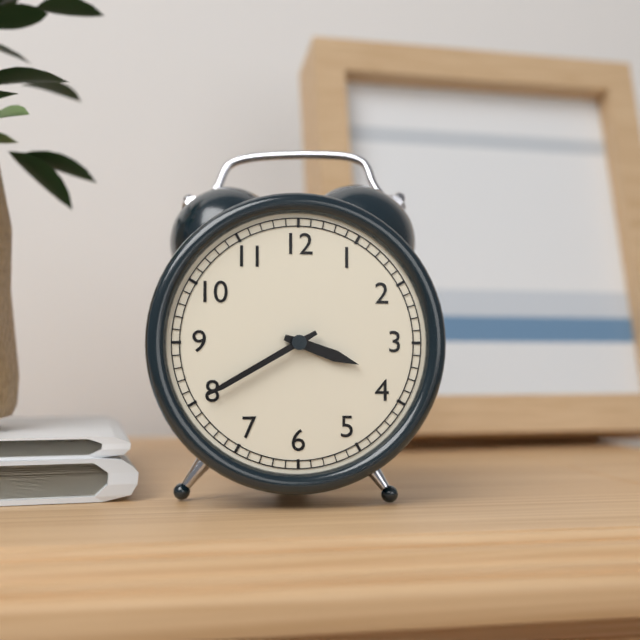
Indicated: 3,40
